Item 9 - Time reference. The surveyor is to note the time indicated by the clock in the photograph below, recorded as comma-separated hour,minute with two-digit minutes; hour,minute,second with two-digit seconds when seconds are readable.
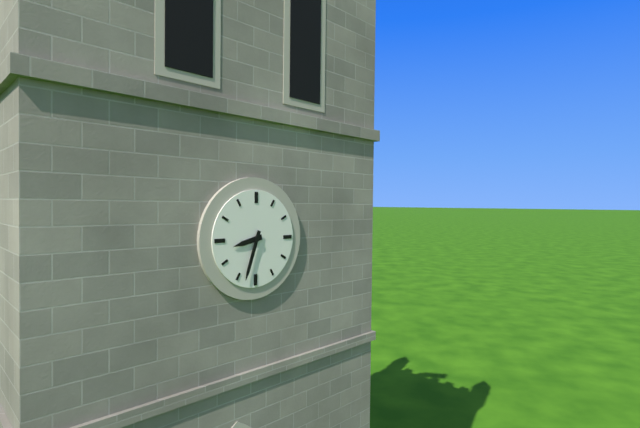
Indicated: 8,33
